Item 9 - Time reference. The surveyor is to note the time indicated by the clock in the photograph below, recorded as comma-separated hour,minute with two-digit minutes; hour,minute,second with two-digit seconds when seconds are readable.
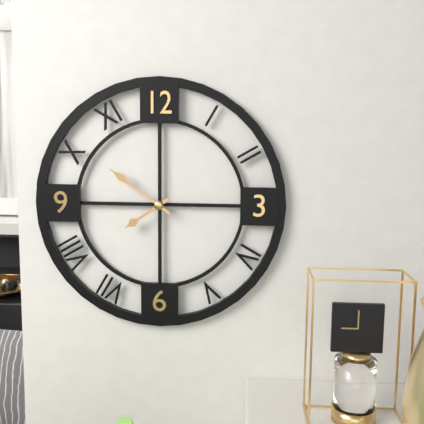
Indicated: 7,51
